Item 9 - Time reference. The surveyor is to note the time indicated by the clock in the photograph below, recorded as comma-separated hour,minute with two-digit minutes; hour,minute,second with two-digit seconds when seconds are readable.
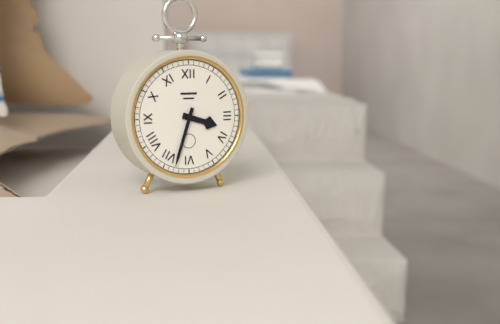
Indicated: 3,33
